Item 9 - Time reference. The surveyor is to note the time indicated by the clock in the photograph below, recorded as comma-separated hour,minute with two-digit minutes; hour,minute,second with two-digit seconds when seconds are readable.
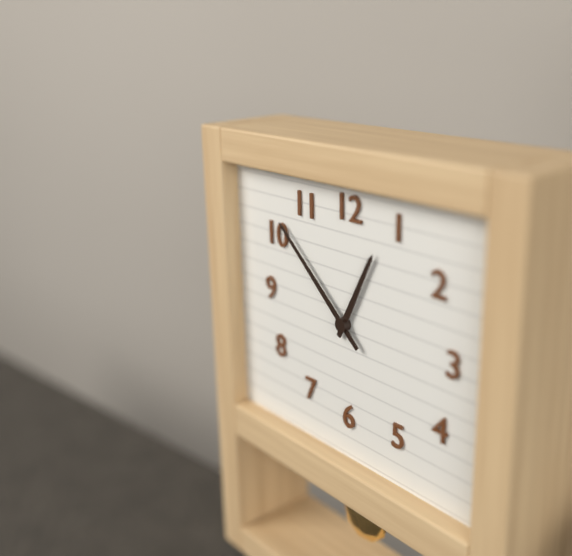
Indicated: 12,52
